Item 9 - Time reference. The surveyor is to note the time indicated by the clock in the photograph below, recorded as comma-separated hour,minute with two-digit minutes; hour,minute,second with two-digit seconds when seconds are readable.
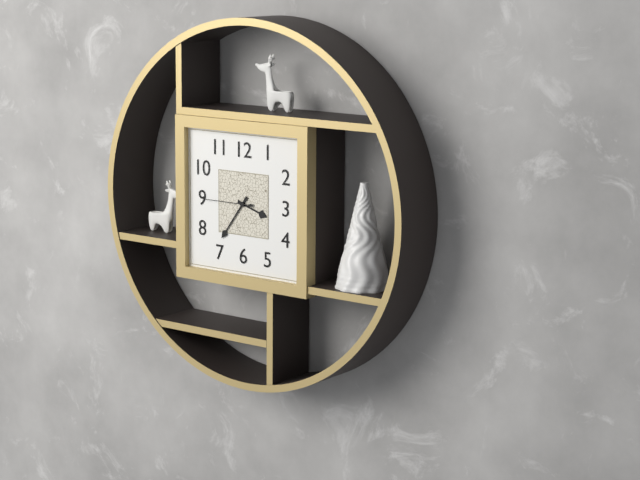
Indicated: 3,36
